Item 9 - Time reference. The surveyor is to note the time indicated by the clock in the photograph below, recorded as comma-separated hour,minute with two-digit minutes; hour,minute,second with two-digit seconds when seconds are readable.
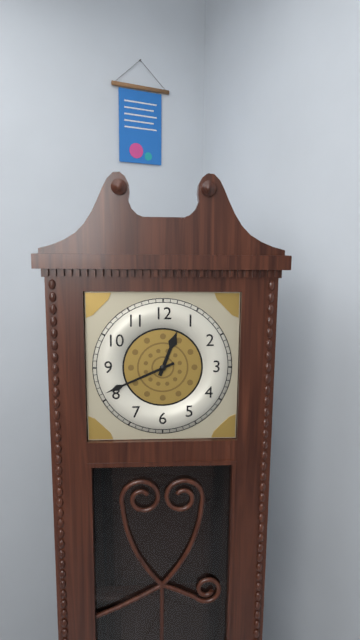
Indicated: 12,41
